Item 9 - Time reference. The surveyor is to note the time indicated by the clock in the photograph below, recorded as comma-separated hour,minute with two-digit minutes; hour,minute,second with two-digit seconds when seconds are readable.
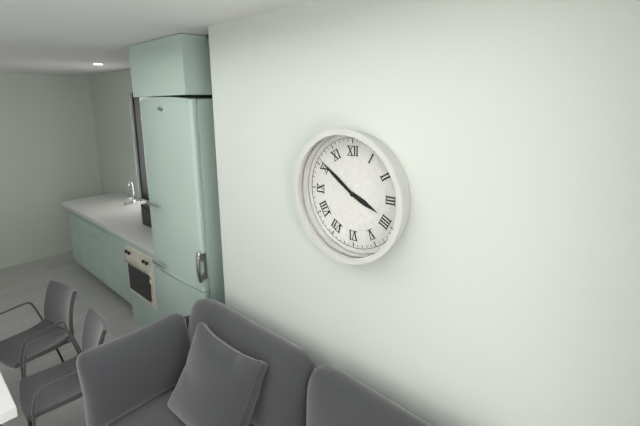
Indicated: 3,51
